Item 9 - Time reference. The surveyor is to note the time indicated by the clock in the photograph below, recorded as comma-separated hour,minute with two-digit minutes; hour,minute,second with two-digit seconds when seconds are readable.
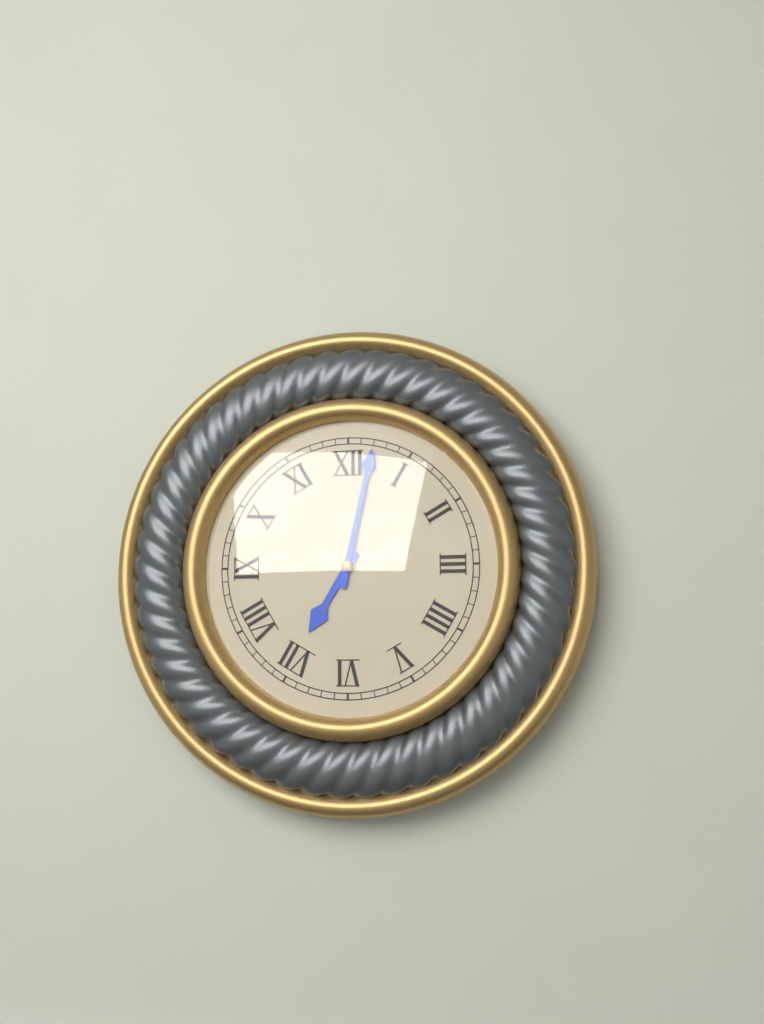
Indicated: 7,02
